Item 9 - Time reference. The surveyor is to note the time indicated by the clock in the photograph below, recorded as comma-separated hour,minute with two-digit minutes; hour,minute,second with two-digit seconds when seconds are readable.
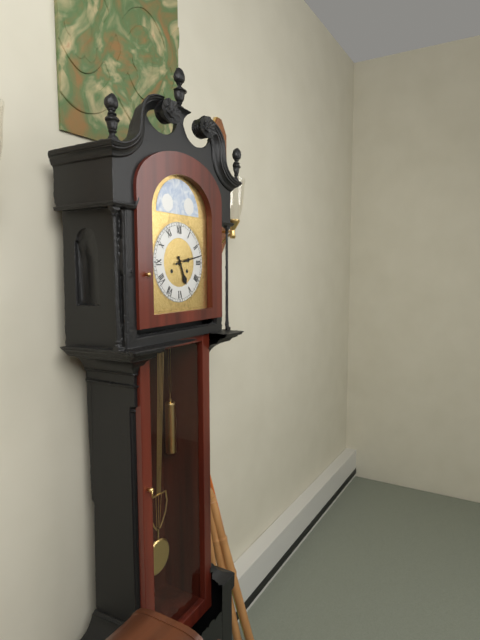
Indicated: 5,13
